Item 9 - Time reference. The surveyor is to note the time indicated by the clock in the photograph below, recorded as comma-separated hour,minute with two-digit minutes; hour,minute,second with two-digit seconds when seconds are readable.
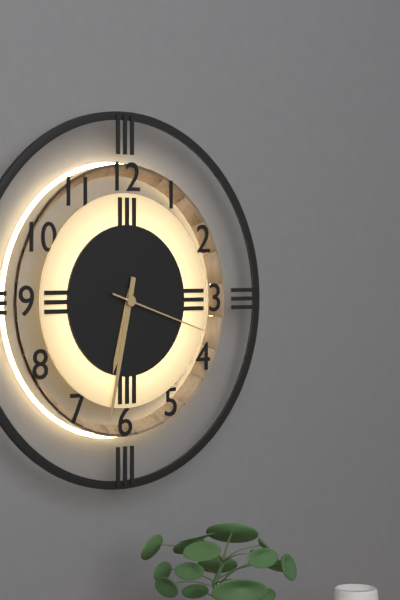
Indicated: 6,32,18
